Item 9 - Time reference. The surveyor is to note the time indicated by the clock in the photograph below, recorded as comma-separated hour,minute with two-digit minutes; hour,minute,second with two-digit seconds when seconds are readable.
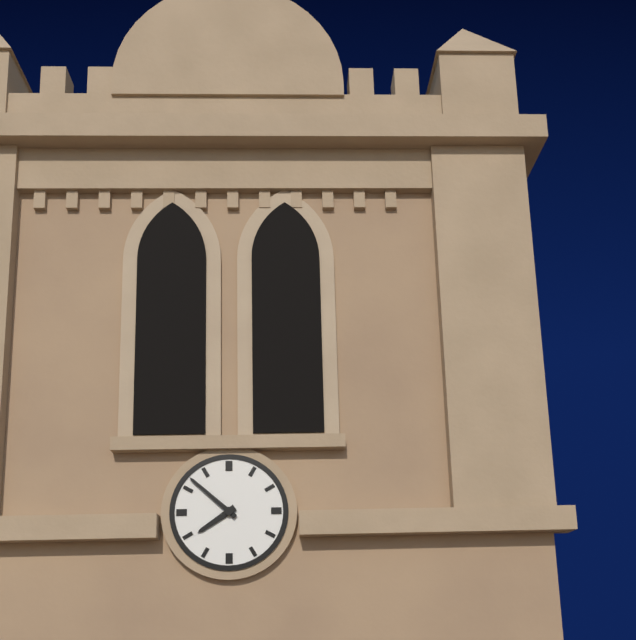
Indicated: 7,52
